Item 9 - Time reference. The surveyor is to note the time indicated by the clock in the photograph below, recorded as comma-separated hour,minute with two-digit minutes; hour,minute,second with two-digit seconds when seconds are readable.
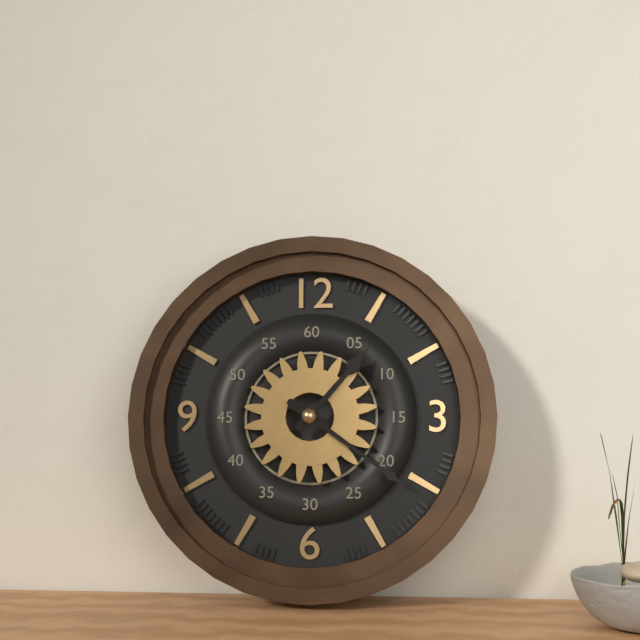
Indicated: 1,21
